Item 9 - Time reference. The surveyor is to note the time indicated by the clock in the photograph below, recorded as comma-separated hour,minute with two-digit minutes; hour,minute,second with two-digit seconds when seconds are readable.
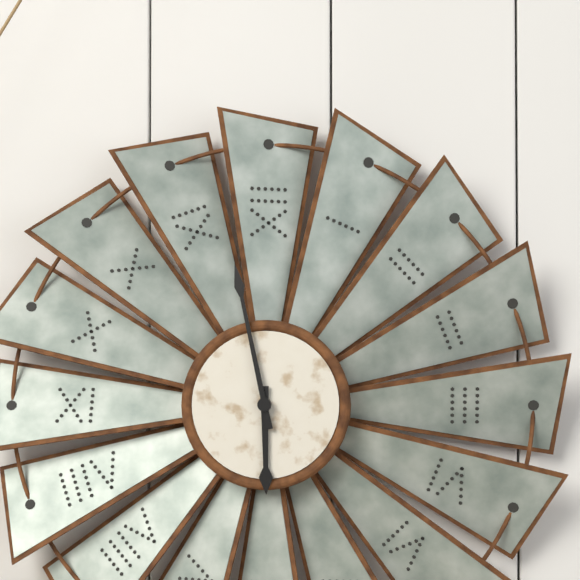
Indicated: 5,58
